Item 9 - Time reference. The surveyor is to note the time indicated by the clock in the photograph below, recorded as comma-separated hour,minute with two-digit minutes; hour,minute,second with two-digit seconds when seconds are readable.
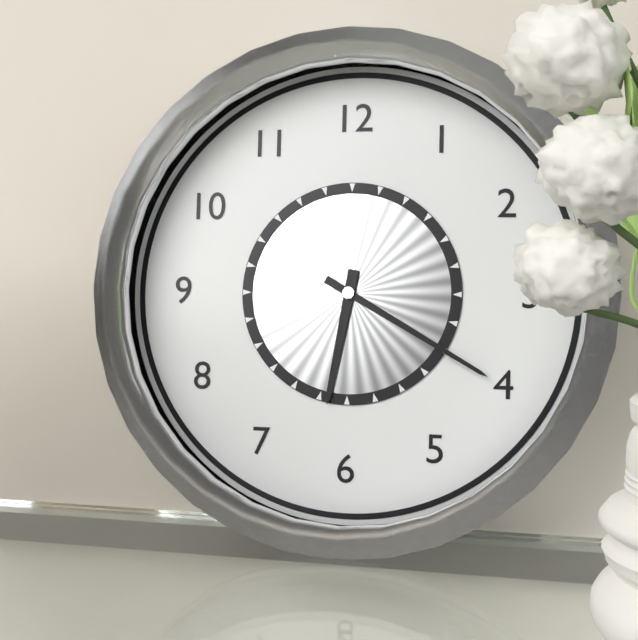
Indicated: 6,20
